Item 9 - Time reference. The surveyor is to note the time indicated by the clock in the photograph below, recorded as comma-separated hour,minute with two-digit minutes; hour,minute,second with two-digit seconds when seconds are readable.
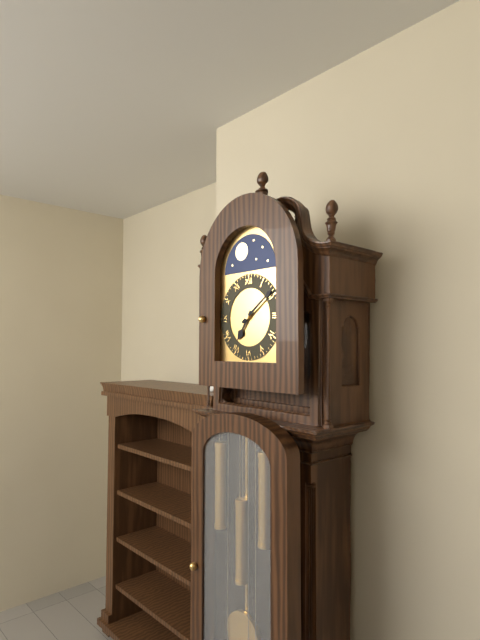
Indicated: 7,09
